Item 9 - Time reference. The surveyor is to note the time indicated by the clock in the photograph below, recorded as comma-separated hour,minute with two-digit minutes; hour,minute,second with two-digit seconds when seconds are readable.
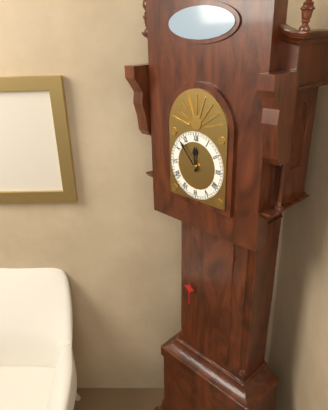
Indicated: 11,53
